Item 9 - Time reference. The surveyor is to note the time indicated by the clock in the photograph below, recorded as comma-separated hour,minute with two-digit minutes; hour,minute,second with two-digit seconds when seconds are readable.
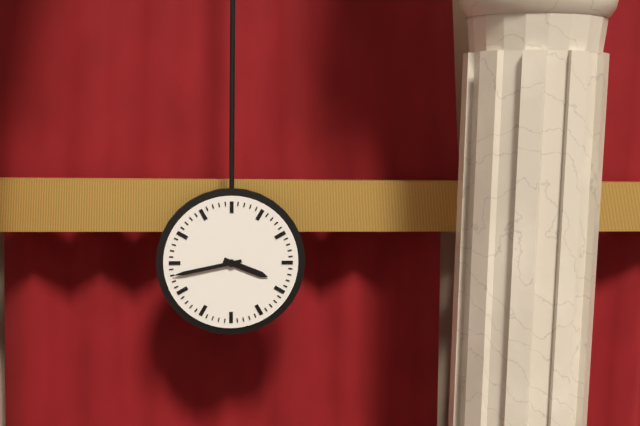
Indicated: 3,43
